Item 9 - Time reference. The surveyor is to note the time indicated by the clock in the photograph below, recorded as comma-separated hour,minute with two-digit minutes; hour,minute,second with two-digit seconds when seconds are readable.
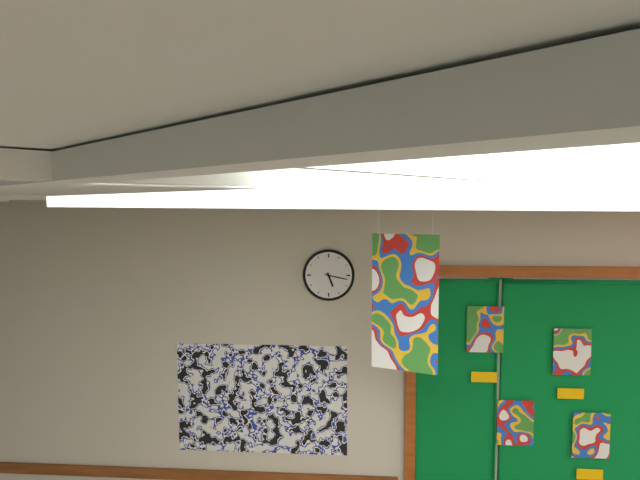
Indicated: 5,17
